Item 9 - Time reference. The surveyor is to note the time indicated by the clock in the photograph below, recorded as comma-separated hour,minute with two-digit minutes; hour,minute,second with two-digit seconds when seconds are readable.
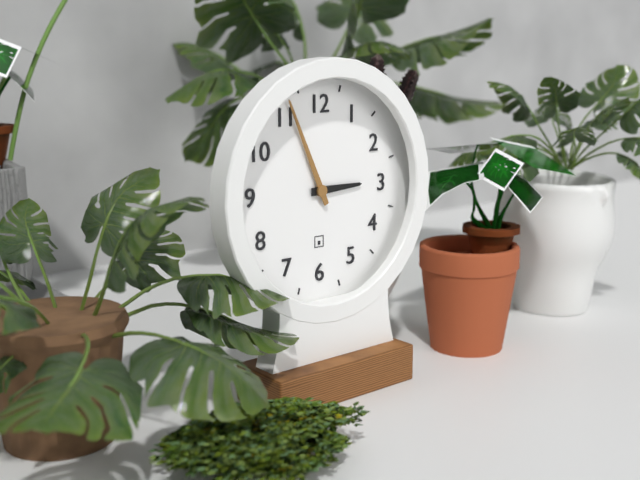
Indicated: 2,56
